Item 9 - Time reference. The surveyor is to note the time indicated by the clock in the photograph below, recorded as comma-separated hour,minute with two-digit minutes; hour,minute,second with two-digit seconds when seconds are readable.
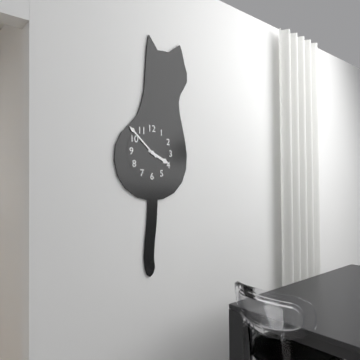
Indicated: 3,52
